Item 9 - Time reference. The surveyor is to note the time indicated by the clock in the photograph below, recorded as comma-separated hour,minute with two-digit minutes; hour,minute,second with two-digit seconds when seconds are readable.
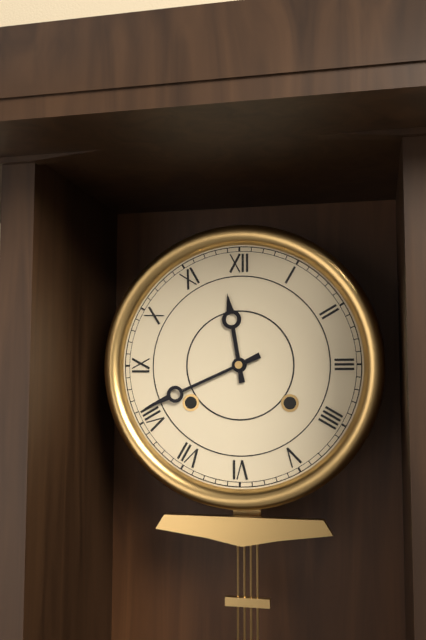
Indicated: 11,41
